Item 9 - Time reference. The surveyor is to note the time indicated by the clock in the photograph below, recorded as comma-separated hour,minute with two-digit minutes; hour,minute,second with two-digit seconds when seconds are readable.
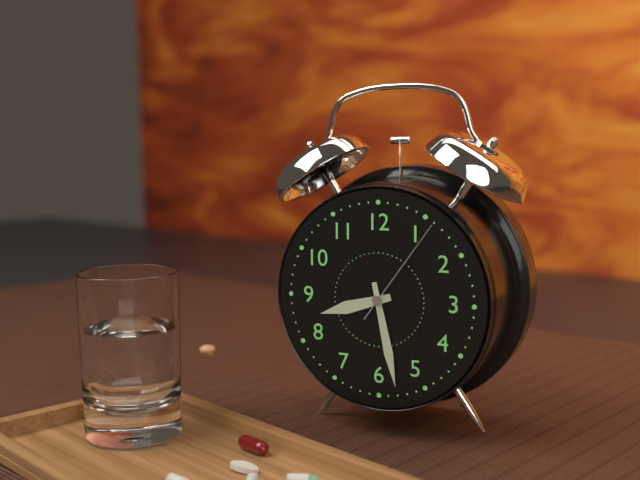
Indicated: 8,28,06
